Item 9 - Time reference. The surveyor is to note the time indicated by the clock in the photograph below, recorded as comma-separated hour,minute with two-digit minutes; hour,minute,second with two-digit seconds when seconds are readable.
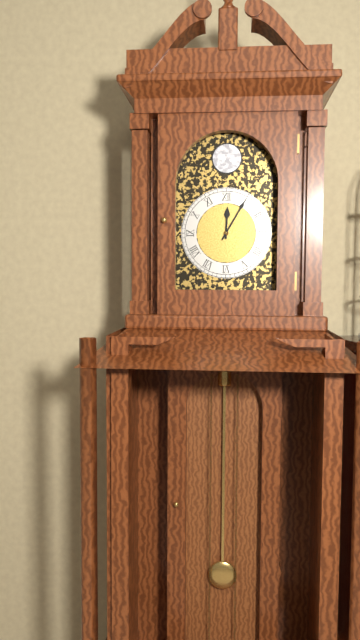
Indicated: 12,05
